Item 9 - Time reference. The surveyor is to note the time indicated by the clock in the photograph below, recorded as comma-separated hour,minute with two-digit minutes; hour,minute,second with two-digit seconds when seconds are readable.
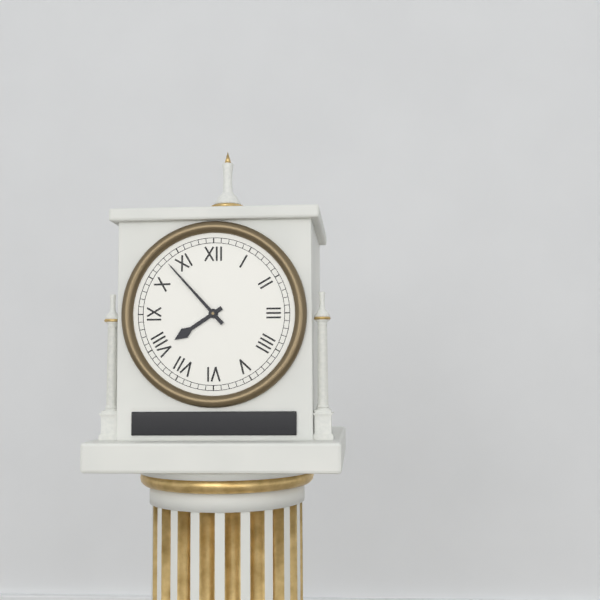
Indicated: 7,53
